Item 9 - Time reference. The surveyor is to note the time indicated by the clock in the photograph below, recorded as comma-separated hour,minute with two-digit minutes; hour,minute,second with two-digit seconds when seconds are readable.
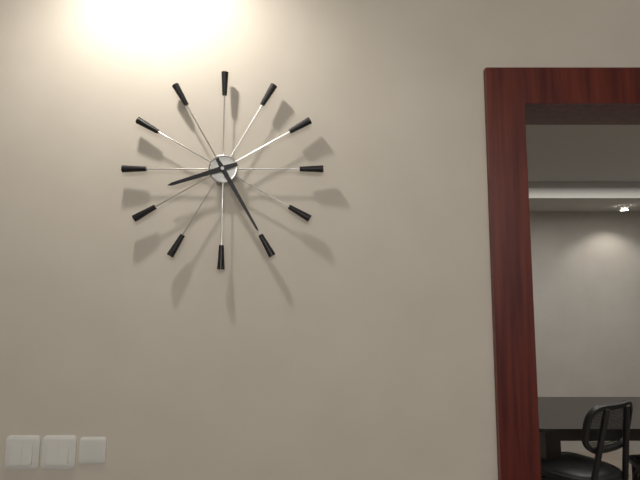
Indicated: 8,25
